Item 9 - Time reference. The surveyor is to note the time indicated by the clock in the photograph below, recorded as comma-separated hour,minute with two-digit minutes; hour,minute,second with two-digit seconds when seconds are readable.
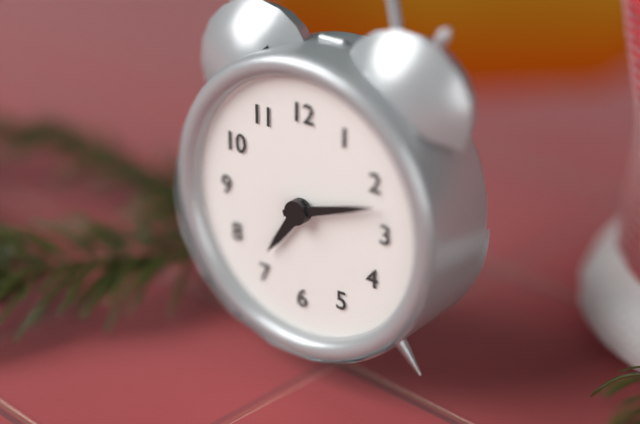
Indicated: 7,12
